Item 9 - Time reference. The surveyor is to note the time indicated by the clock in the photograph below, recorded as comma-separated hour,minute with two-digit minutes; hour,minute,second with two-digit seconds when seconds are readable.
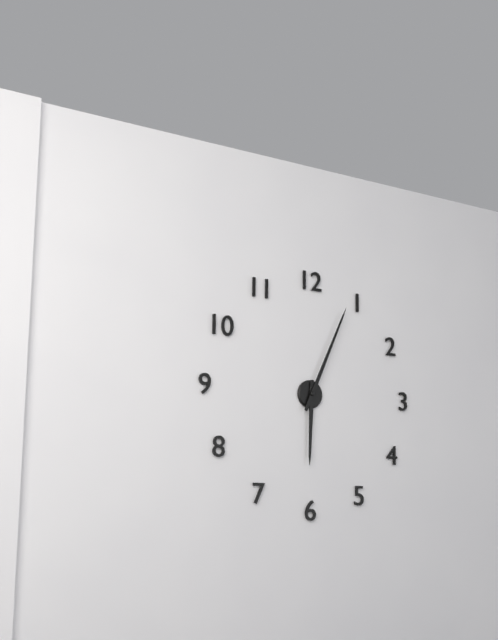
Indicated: 6,04
